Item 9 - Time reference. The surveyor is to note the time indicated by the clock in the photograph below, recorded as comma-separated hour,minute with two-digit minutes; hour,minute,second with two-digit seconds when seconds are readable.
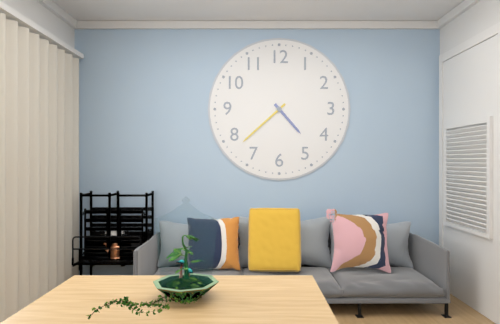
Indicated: 4,38
